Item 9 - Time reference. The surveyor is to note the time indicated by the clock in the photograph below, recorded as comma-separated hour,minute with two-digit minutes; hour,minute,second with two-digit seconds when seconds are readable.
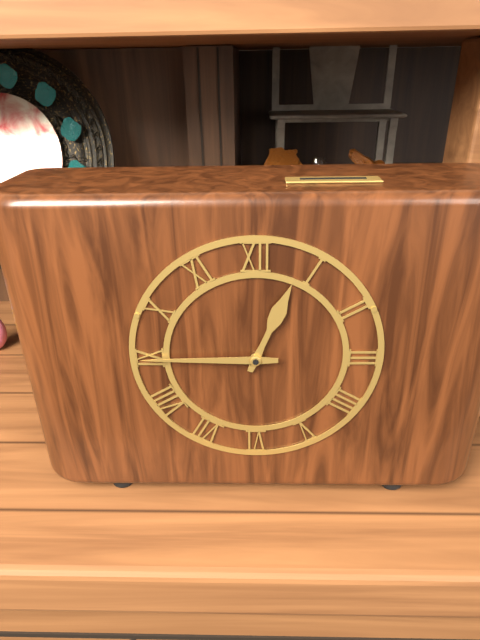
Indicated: 12,45
